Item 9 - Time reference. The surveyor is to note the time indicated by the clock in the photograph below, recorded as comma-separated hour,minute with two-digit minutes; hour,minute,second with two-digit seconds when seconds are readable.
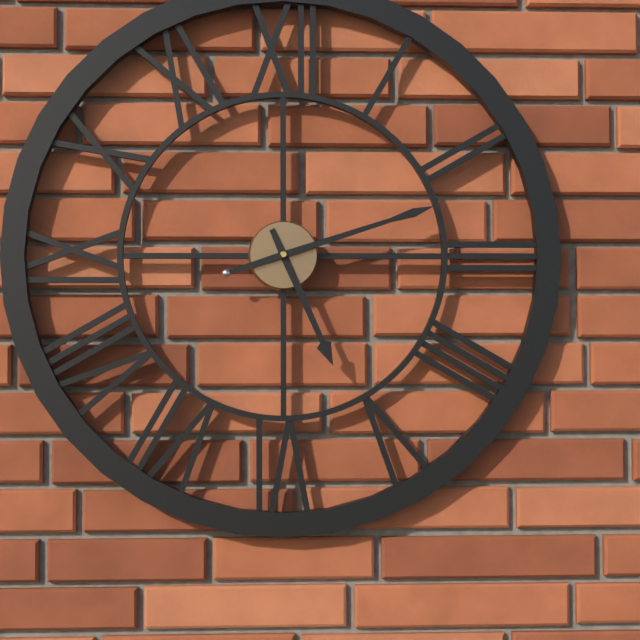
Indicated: 5,12
